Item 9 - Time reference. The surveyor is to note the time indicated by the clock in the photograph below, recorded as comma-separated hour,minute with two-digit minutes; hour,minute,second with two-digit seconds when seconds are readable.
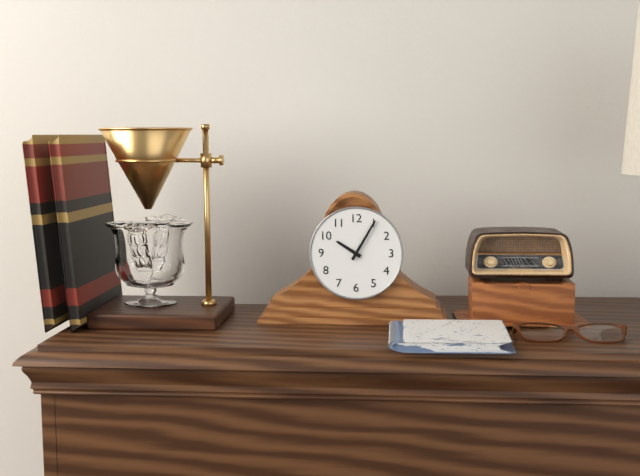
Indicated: 10,05
